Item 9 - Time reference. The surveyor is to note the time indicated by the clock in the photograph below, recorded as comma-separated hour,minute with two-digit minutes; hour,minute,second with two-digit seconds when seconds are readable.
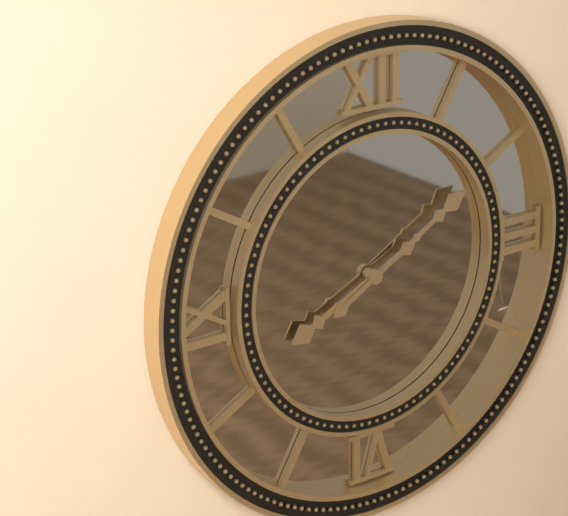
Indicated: 8,10
